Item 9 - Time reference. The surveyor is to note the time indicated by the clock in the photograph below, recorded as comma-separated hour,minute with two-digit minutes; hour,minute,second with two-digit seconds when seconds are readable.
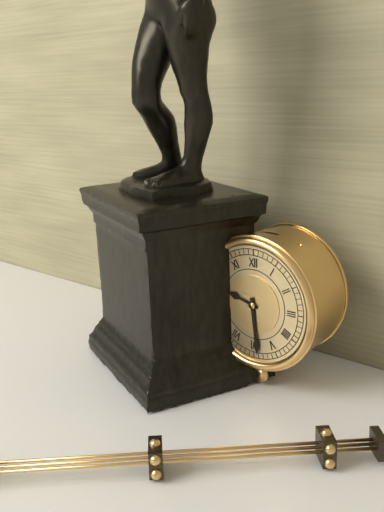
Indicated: 9,29
